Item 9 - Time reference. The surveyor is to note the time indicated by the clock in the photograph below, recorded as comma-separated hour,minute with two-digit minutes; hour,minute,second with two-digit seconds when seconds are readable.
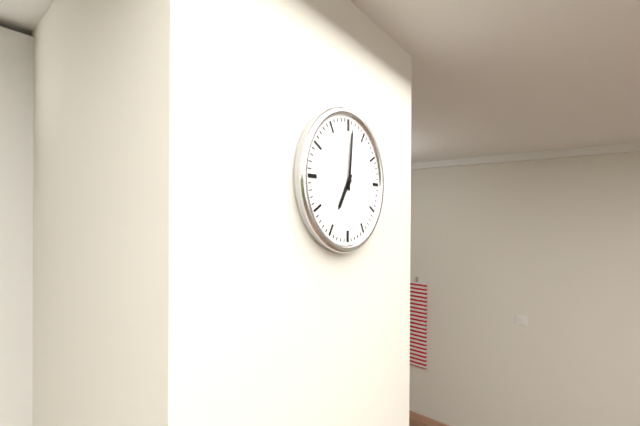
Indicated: 7,01
